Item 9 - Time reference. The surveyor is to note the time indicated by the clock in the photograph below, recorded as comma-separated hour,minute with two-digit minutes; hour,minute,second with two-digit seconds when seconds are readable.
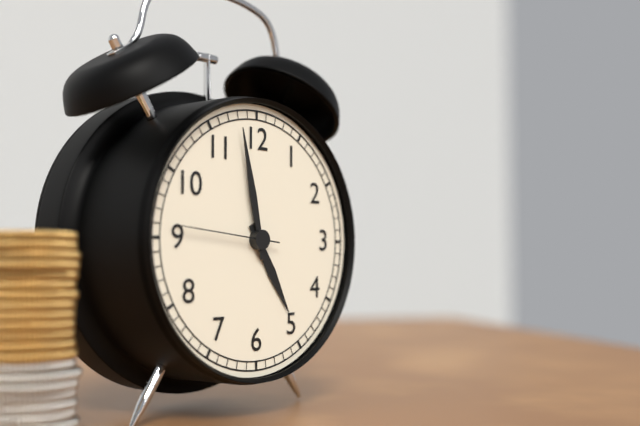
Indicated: 4,58,46
